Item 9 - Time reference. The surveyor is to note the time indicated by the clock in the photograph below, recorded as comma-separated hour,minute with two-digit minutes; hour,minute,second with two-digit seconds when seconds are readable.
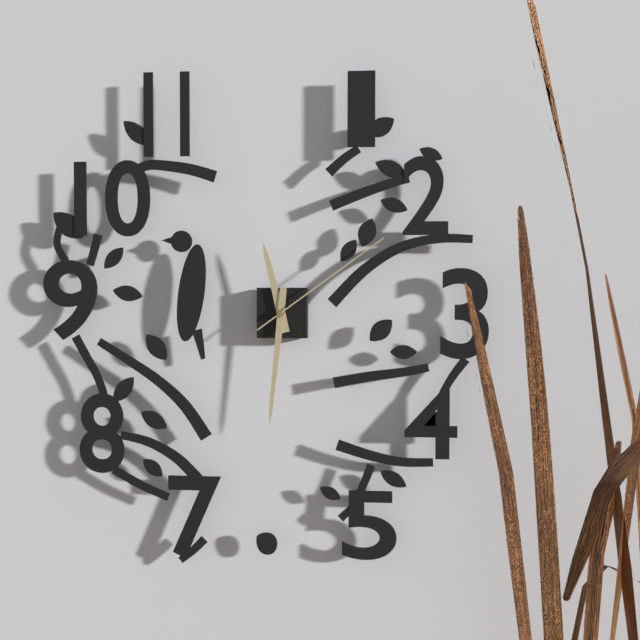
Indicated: 11,31,09
